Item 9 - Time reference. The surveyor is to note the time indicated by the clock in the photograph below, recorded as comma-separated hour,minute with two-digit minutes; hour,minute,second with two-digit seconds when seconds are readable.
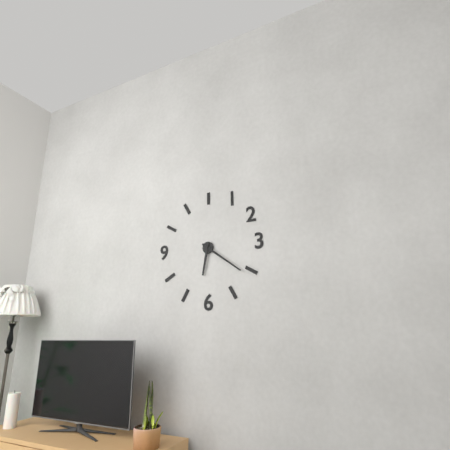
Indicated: 6,21
